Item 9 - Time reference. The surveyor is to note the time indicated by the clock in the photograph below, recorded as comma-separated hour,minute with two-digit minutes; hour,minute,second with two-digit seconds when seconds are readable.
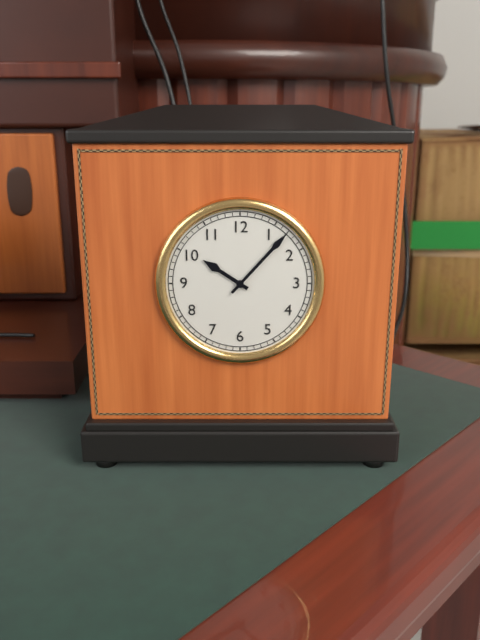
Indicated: 10,07
